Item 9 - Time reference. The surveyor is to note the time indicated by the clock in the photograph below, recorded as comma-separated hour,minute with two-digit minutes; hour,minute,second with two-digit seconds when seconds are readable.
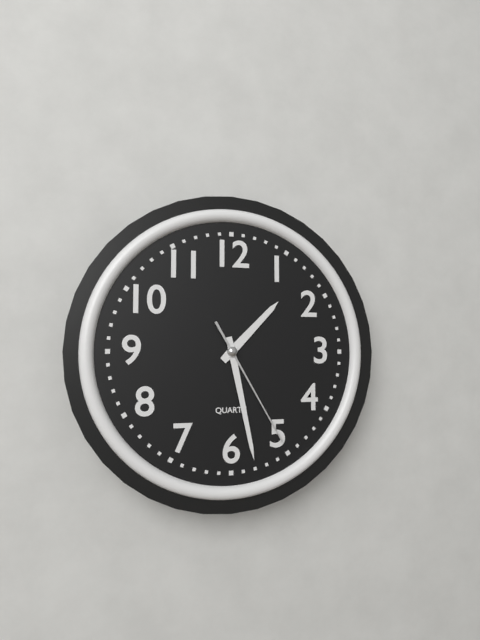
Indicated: 1,28,25
